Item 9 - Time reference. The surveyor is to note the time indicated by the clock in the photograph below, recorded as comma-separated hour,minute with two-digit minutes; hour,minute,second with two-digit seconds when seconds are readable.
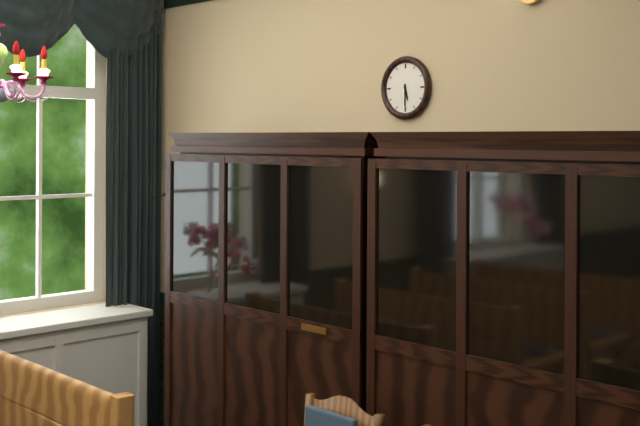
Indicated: 5,30
